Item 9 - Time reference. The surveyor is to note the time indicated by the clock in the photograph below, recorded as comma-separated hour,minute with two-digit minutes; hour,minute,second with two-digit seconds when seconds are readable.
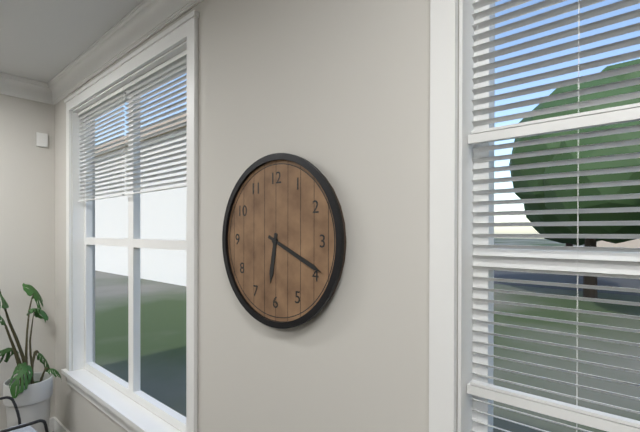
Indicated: 6,19
